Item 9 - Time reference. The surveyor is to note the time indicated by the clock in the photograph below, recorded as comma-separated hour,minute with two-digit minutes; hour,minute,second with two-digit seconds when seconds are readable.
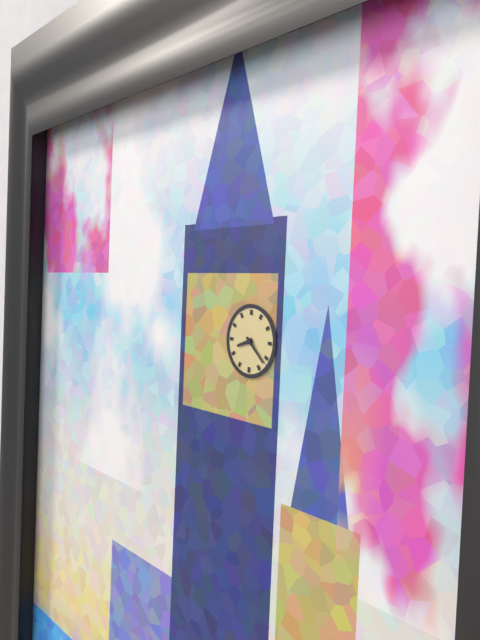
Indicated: 8,22
